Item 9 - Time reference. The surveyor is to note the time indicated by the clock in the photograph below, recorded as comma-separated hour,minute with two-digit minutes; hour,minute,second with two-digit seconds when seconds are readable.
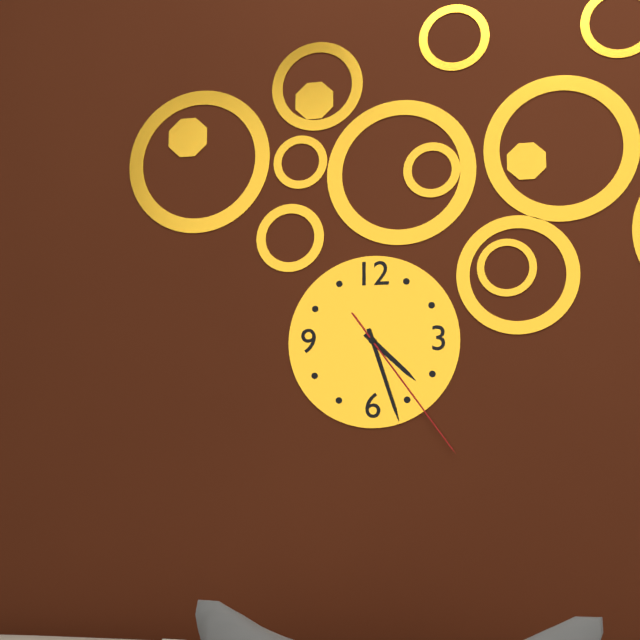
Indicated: 4,27,24
